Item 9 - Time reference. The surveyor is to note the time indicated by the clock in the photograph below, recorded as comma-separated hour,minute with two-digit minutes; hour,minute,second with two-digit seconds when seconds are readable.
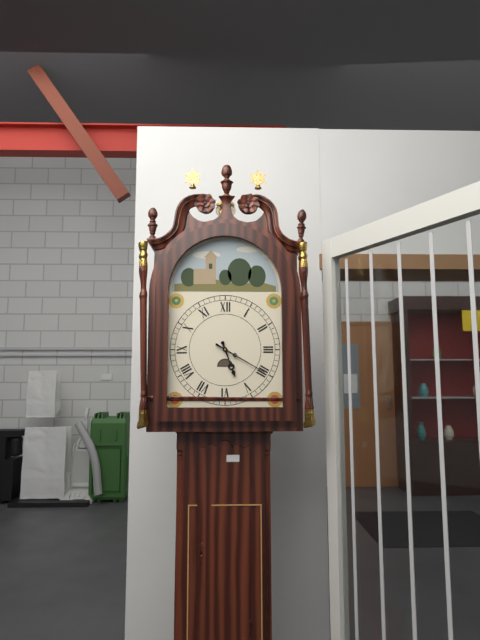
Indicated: 5,20
